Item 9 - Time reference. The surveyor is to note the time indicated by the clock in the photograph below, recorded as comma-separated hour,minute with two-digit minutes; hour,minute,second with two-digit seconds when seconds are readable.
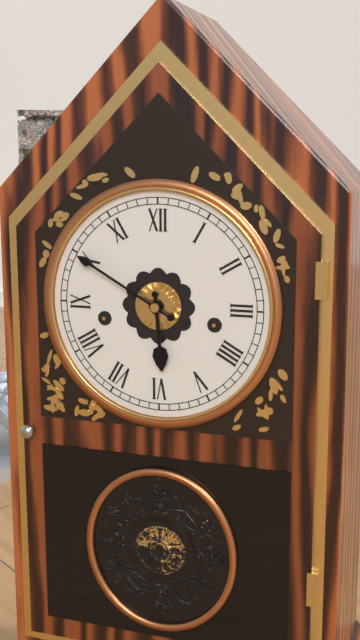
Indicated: 5,50
